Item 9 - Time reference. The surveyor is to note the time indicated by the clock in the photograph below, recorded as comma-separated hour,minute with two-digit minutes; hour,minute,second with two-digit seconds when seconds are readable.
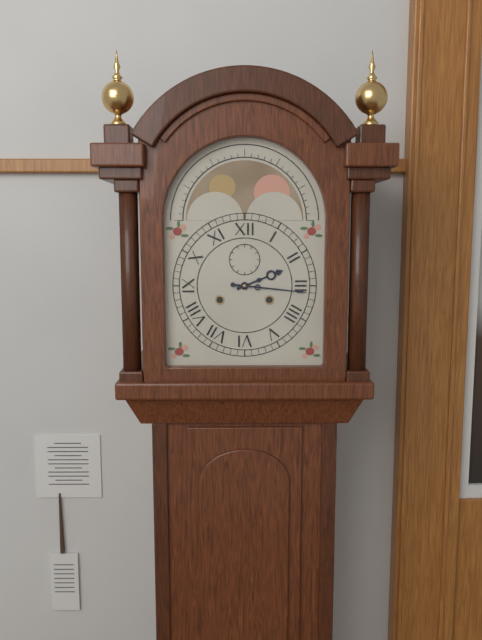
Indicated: 2,16
